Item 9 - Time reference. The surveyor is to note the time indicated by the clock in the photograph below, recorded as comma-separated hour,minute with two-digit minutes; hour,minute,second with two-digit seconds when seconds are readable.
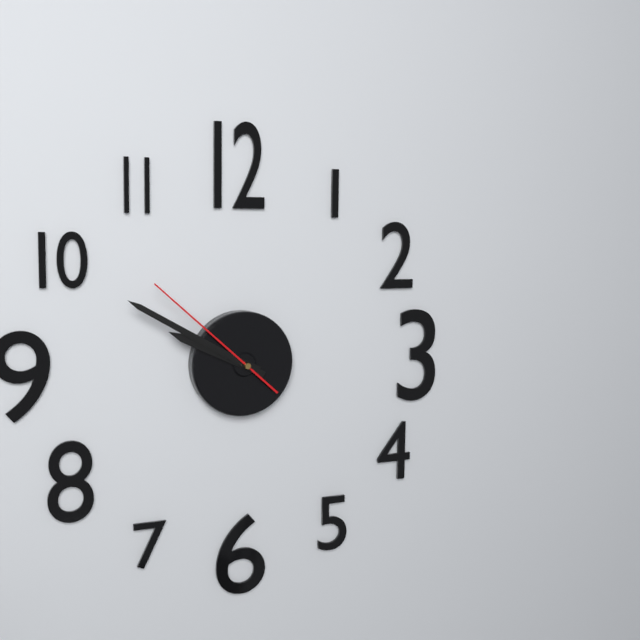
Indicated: 9,50,52
